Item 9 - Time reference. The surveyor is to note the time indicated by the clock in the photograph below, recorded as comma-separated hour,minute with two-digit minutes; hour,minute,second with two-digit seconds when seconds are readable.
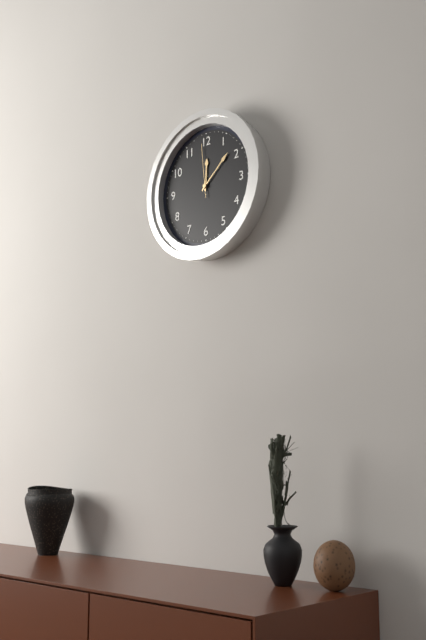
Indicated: 12,08,59
